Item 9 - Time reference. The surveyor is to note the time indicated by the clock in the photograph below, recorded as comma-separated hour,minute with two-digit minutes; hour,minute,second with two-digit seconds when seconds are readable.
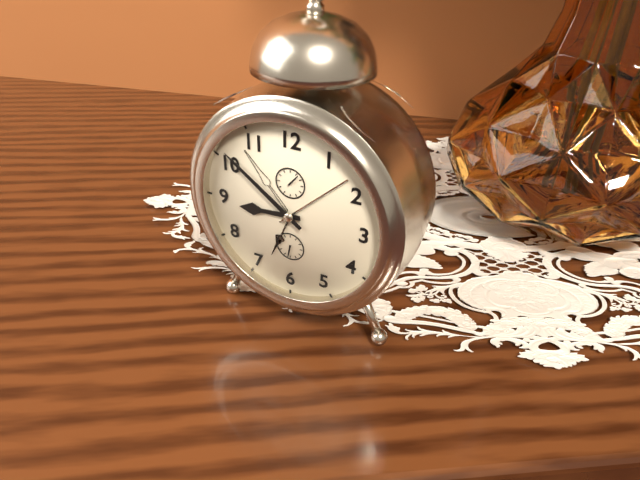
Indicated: 8,51
